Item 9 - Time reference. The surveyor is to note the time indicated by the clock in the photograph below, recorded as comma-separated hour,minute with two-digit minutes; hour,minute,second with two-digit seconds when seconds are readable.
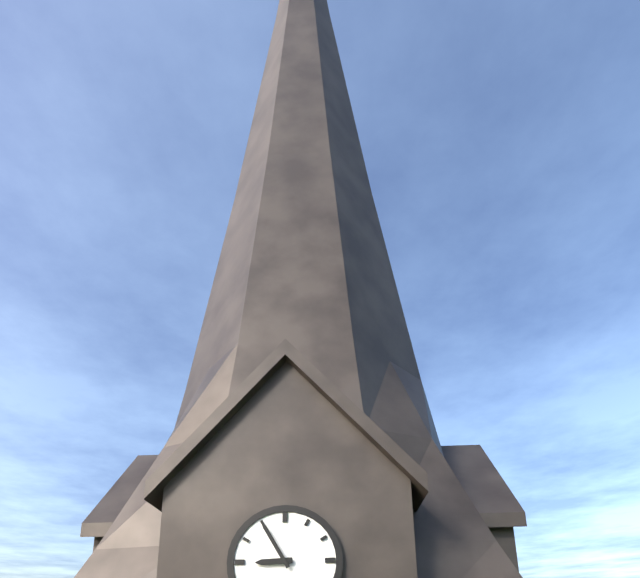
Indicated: 8,55
